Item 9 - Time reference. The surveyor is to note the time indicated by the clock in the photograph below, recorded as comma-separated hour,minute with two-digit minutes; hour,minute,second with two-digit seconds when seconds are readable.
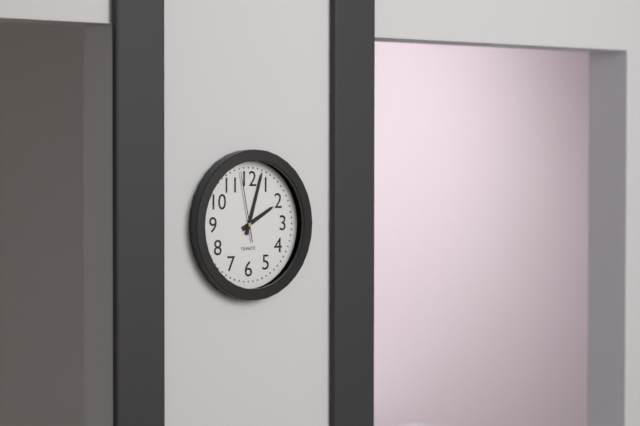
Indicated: 2,03,58
